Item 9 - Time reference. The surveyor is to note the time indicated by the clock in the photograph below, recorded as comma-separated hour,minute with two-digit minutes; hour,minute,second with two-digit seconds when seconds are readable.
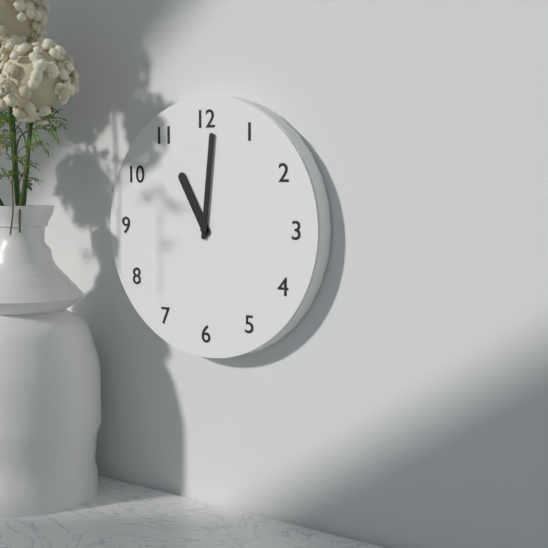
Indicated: 11,01
